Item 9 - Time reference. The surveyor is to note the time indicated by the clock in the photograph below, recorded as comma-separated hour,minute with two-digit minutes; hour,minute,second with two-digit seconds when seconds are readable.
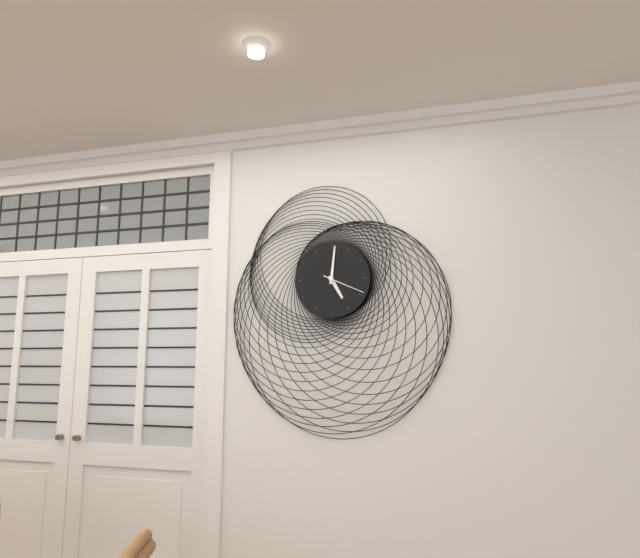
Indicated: 5,01
